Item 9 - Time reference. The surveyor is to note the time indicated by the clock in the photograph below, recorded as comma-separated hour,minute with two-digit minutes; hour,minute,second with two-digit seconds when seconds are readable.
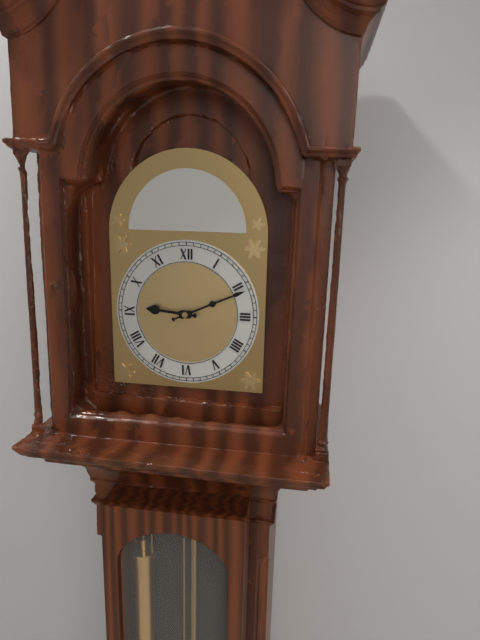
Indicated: 9,11
